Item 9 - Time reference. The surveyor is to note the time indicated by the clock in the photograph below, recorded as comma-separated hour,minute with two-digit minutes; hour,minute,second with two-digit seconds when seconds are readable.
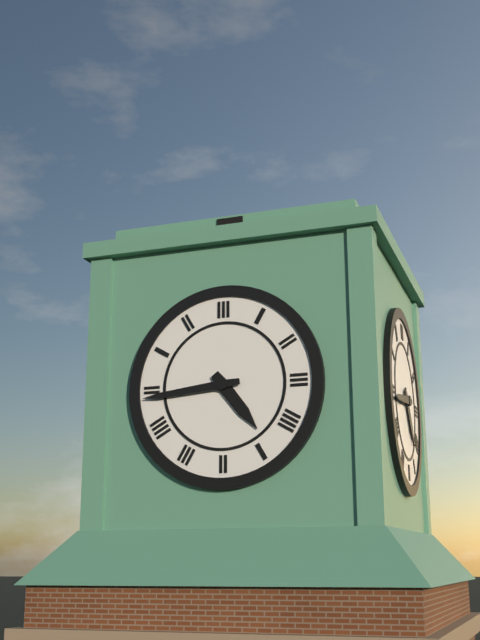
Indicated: 4,44
